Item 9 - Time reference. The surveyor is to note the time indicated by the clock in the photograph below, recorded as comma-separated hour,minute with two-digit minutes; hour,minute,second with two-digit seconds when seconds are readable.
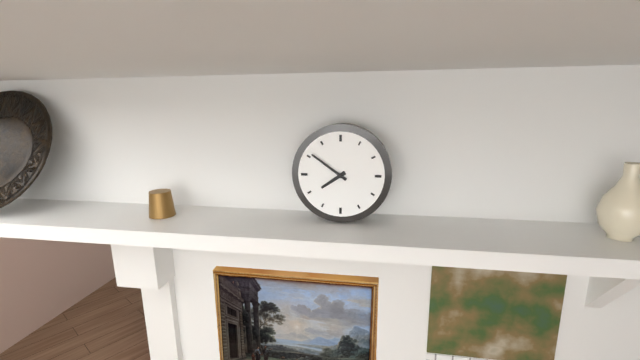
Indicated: 7,51
